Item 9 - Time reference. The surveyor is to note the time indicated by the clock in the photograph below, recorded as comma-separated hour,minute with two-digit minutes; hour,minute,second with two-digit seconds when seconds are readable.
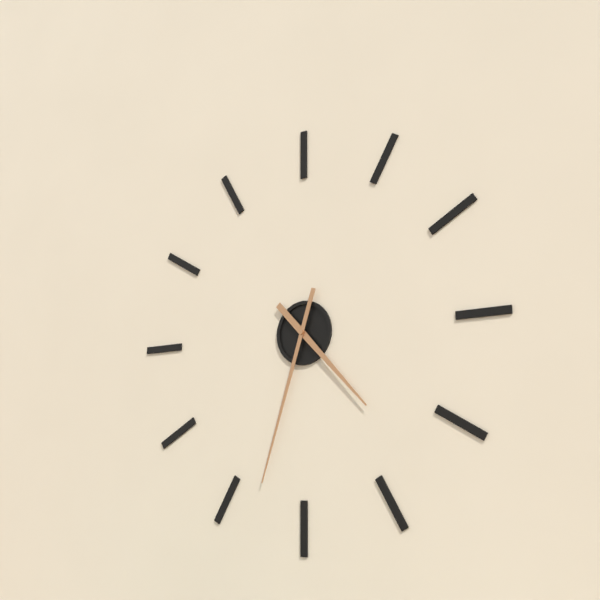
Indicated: 4,33
